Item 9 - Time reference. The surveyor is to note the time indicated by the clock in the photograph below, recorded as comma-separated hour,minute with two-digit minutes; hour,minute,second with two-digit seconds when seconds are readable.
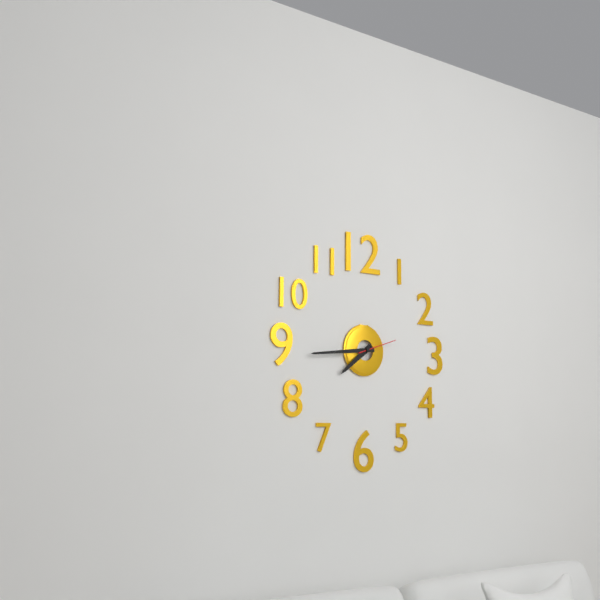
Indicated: 7,44
